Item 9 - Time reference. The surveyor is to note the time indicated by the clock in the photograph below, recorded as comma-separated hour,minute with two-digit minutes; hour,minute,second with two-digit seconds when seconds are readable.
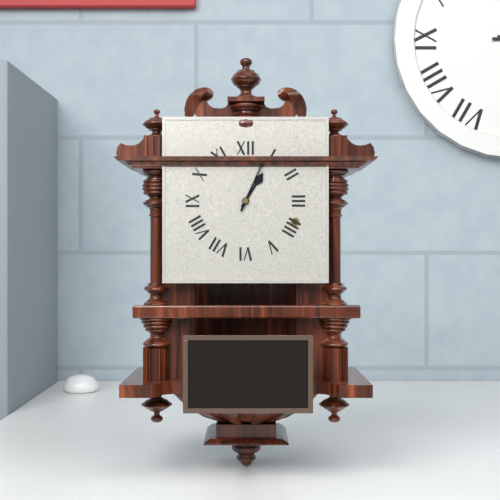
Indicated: 1,04
